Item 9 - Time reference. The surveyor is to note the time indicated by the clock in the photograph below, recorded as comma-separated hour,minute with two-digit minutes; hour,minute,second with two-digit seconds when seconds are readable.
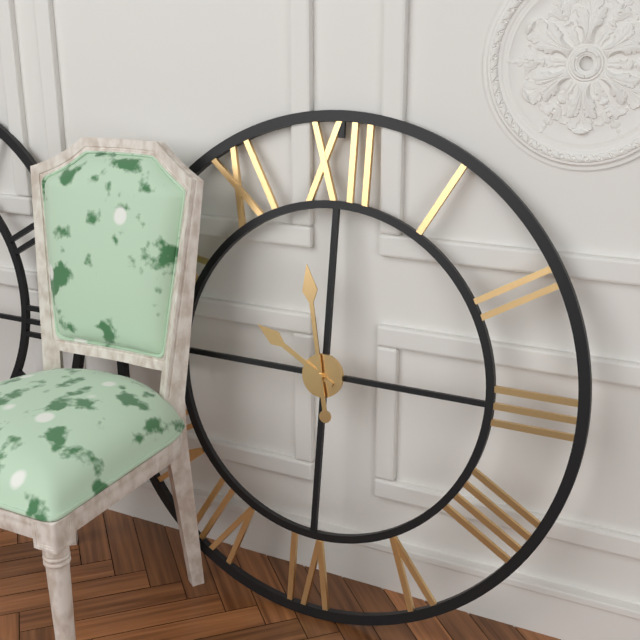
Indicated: 9,58
